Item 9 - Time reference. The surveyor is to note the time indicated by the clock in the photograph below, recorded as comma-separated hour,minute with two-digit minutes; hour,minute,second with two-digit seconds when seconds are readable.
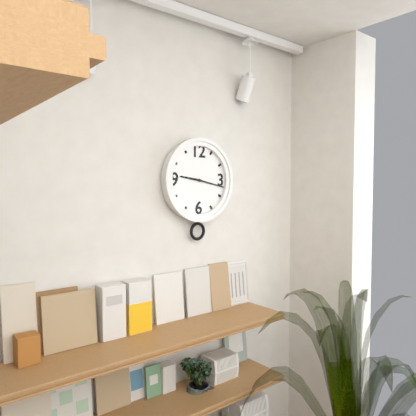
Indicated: 9,17
